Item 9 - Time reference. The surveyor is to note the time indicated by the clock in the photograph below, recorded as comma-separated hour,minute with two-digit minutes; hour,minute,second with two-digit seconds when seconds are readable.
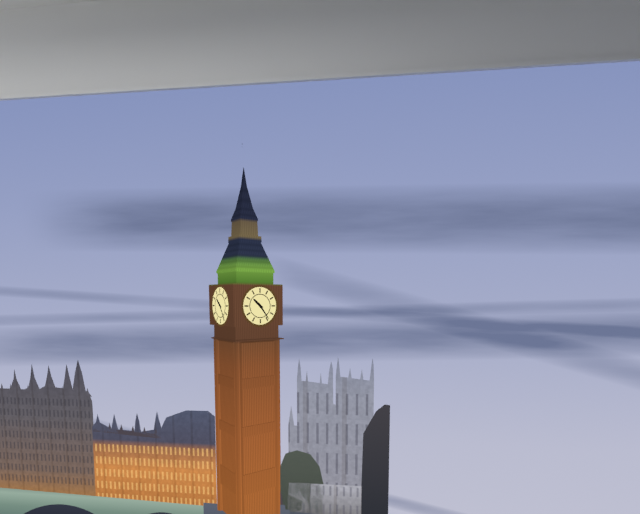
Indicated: 10,24
